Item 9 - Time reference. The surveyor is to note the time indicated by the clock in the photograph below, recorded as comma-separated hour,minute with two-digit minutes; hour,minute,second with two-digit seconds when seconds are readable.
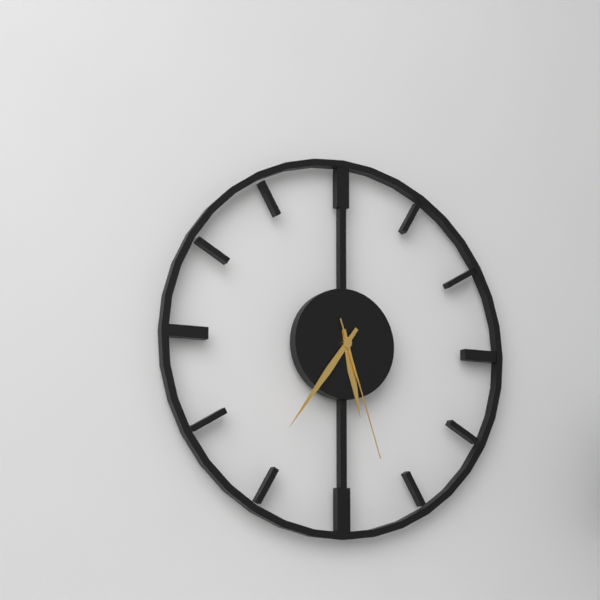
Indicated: 5,36,27
